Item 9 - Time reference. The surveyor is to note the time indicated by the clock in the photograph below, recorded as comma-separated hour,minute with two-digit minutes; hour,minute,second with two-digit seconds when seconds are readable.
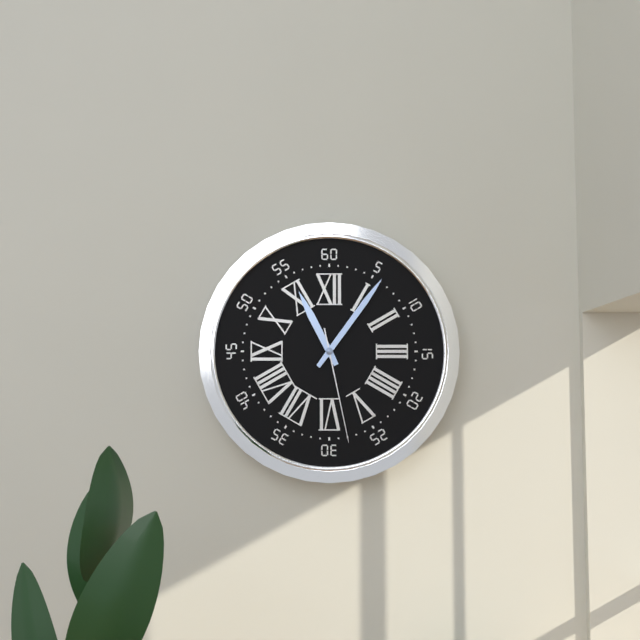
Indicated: 11,06,28
